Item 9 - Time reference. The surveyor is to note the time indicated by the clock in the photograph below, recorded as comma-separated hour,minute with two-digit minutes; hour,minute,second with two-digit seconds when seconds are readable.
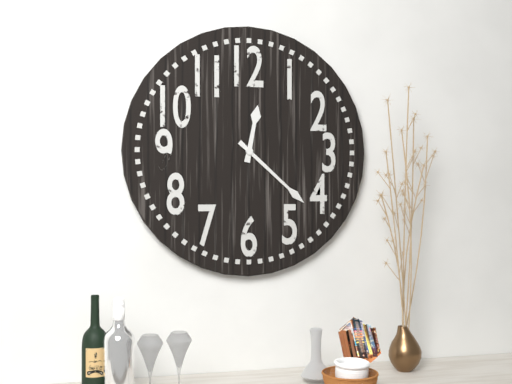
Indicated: 12,22
